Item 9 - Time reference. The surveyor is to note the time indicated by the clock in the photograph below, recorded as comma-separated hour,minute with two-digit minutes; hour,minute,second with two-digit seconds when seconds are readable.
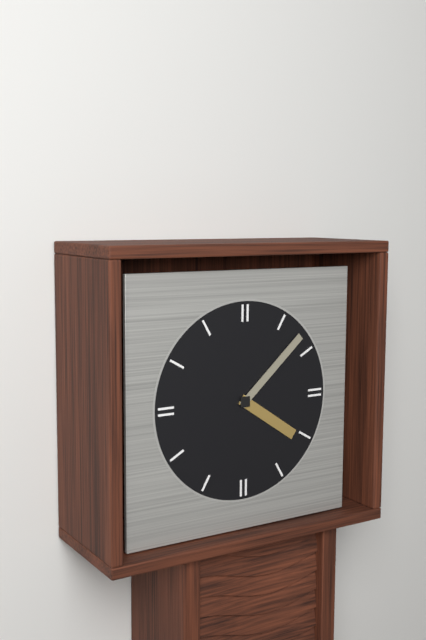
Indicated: 4,08
